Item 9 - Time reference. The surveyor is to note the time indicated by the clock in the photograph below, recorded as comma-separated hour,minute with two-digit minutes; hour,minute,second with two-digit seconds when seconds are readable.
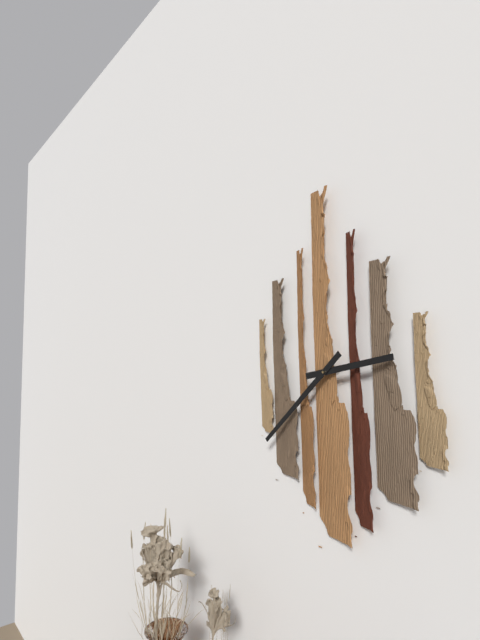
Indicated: 2,38
